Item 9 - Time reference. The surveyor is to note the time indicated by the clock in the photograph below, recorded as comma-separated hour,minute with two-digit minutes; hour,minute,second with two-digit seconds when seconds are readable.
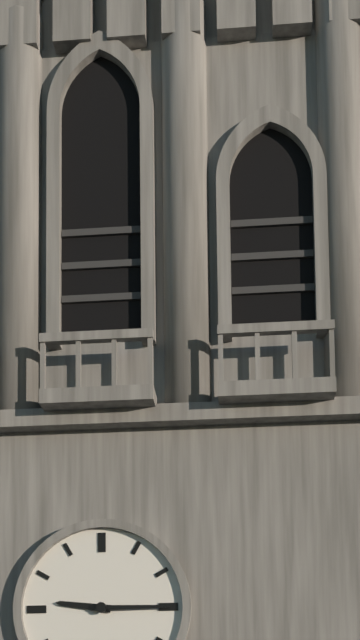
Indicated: 9,15
